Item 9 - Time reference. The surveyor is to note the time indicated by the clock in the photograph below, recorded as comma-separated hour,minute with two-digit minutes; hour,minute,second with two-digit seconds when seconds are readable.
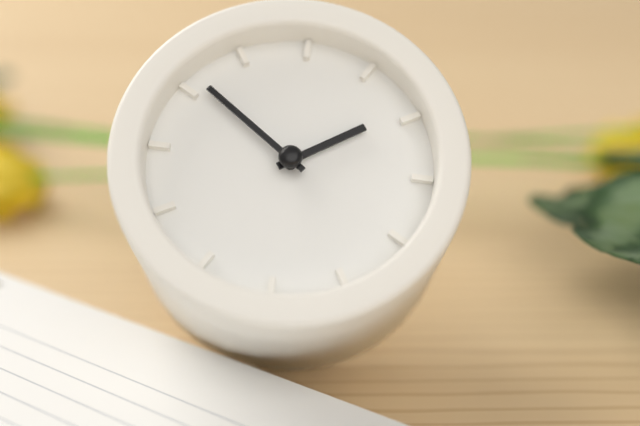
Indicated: 1,51
